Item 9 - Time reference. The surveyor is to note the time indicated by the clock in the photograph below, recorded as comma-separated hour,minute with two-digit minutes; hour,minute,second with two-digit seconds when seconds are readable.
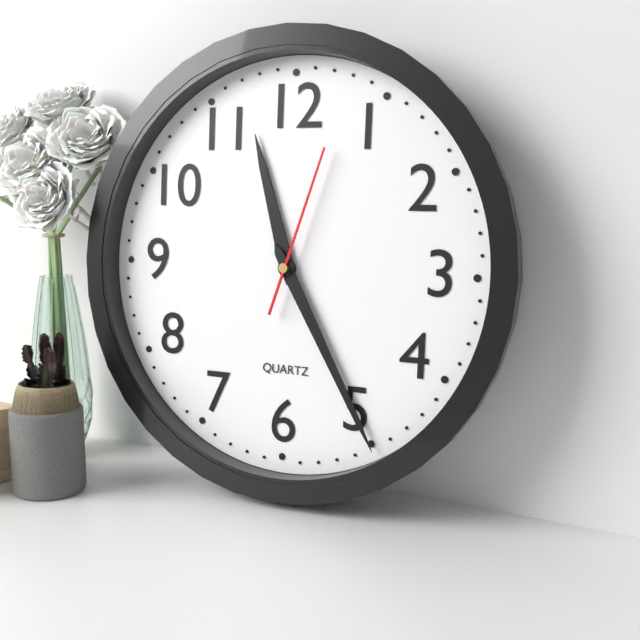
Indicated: 11,25,03
